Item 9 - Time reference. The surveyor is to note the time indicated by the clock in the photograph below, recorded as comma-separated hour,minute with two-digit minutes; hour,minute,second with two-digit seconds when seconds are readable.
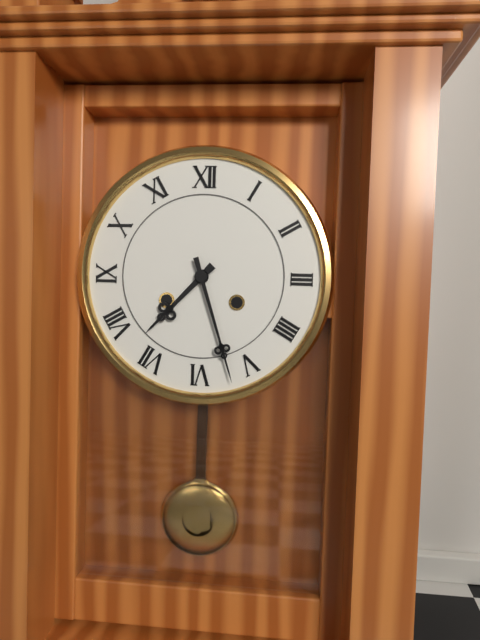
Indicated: 7,27
